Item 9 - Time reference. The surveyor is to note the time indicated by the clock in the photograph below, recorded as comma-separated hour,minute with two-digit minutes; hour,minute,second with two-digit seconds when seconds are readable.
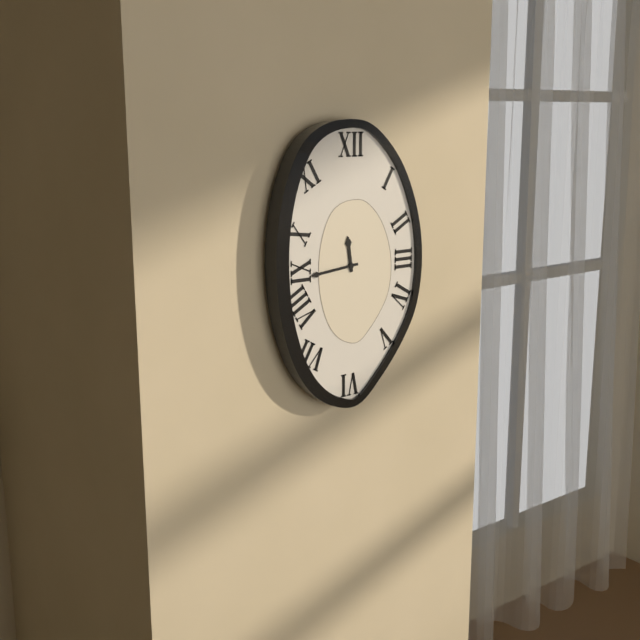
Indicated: 11,44
